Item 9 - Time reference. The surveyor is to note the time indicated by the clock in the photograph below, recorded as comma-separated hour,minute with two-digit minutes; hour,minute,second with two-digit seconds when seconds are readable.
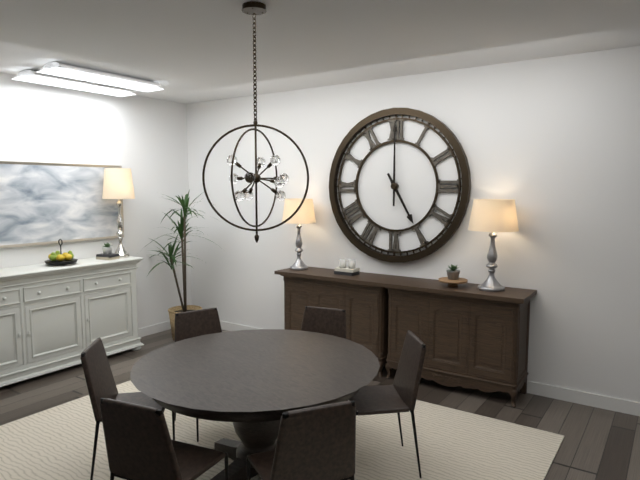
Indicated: 5,00
